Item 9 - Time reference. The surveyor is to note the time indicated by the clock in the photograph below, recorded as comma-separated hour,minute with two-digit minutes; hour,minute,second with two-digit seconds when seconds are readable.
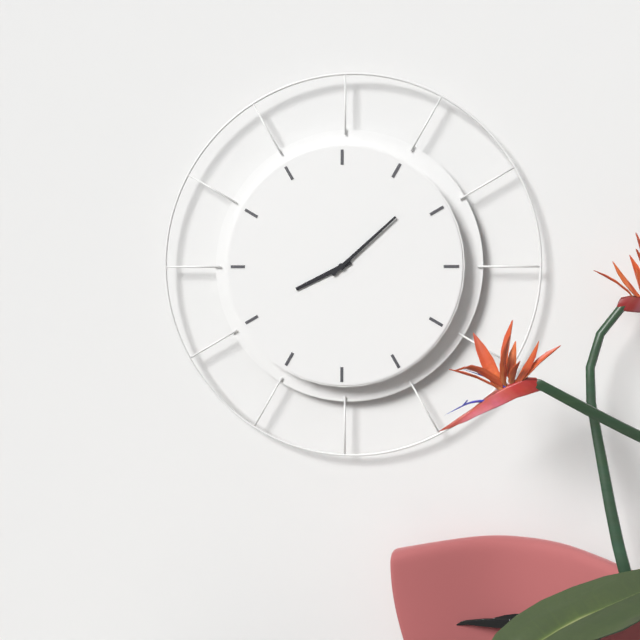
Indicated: 8,08
